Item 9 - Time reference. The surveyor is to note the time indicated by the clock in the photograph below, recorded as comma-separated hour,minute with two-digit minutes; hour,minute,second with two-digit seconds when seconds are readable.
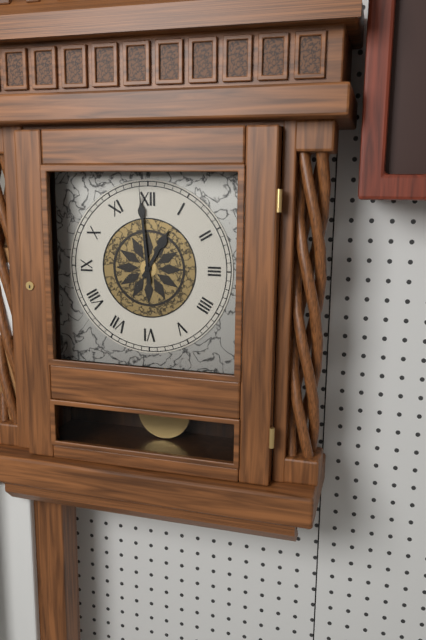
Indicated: 12,59
